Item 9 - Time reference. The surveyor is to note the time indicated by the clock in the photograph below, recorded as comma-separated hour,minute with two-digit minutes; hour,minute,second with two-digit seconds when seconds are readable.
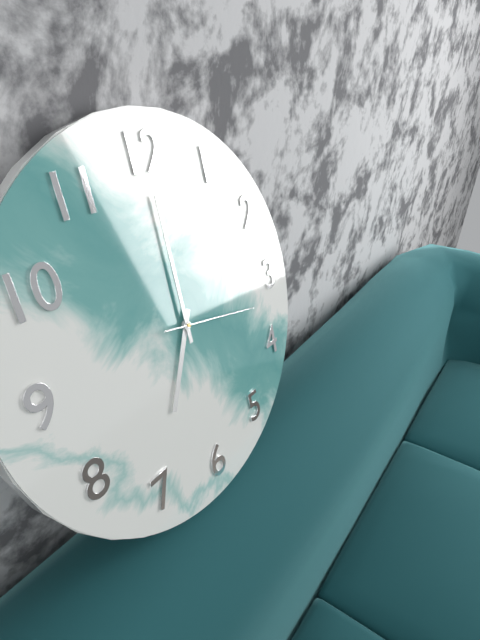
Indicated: 7,00,17
